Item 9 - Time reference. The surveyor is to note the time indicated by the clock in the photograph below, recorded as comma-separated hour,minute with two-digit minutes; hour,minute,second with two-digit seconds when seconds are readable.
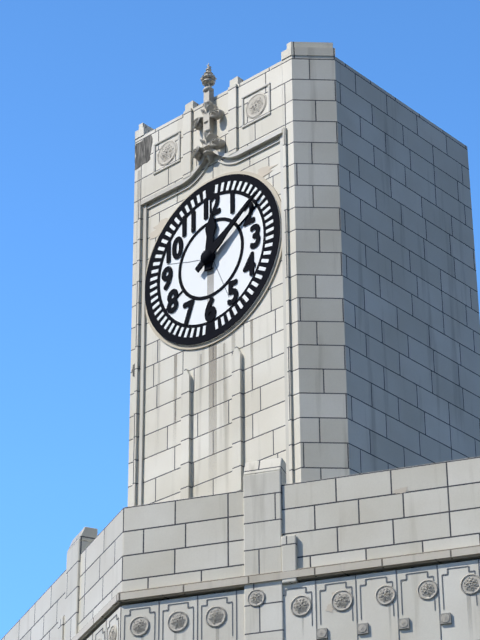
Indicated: 12,09
